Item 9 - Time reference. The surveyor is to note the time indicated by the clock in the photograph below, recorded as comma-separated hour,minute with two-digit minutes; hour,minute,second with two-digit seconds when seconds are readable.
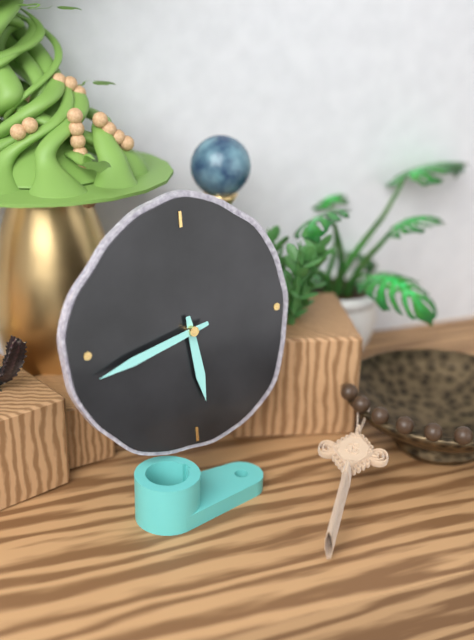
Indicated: 5,43
